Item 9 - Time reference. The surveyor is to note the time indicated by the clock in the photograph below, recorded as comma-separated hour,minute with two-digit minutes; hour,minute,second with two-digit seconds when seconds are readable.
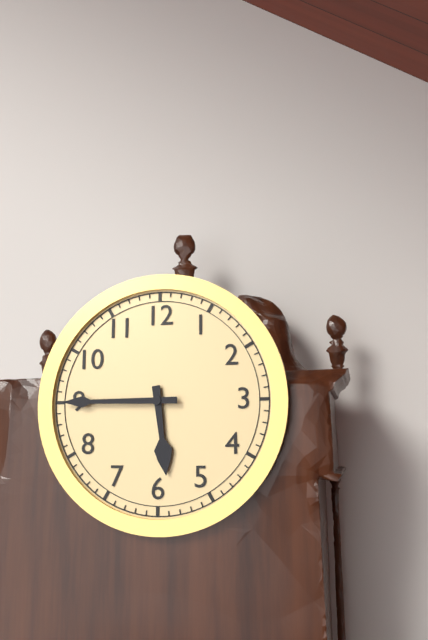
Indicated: 5,45
